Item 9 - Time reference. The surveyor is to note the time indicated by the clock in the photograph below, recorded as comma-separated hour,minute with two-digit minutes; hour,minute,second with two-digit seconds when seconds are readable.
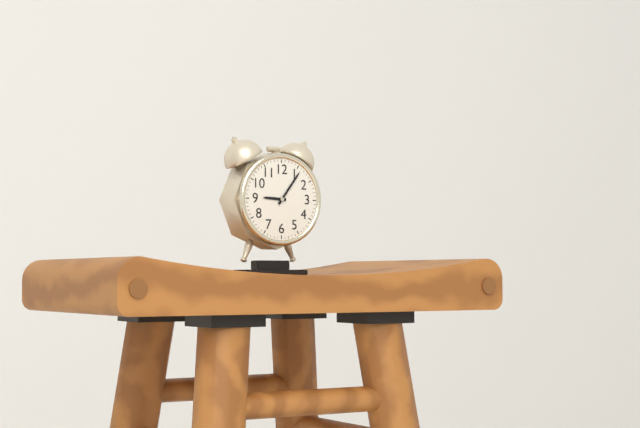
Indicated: 9,06
